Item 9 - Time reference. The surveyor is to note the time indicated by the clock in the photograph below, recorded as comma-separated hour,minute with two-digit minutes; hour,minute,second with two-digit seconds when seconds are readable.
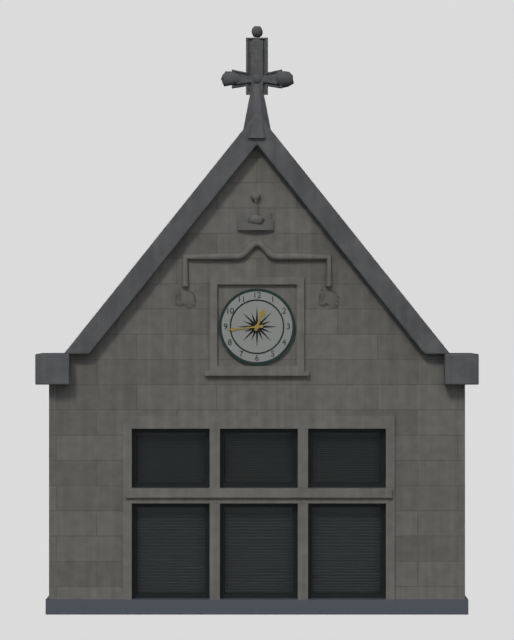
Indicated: 12,44
